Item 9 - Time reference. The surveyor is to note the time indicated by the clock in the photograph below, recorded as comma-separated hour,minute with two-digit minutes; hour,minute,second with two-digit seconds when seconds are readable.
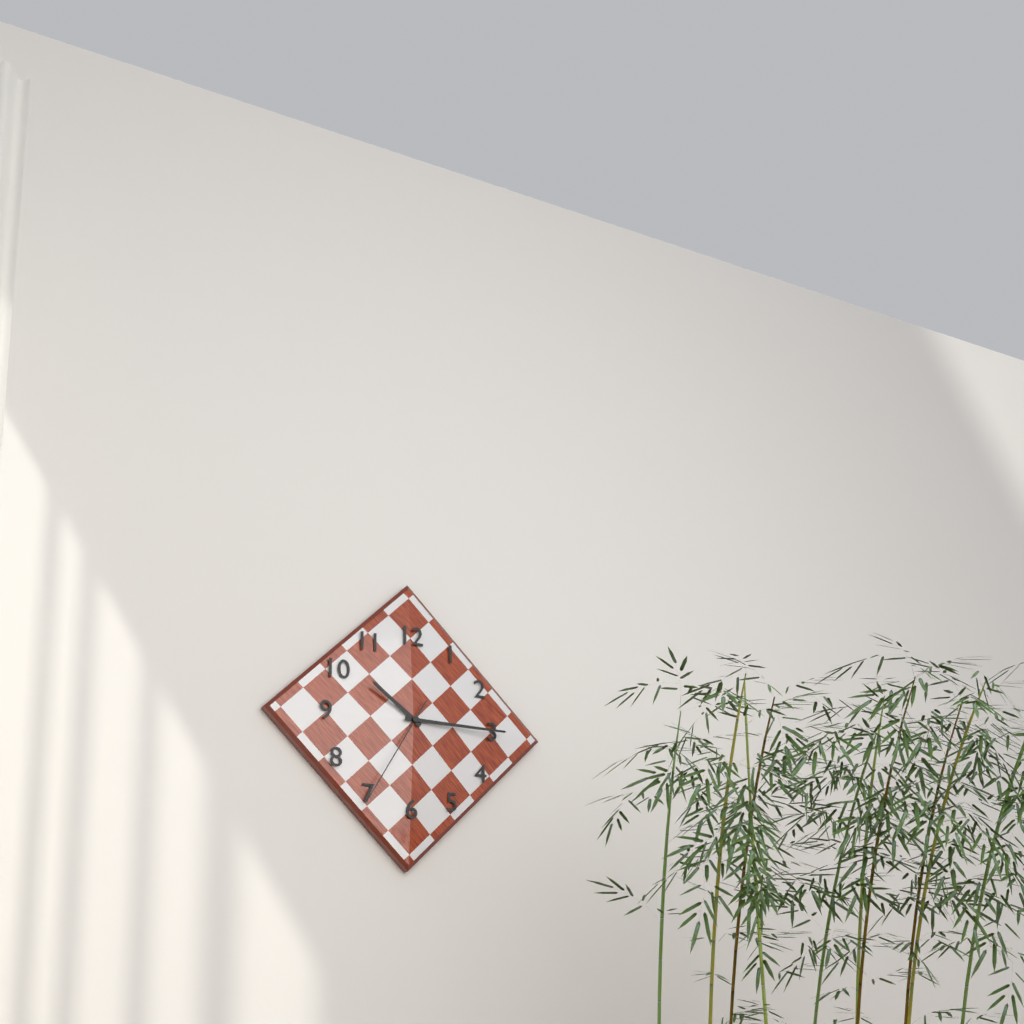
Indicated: 10,15,35
